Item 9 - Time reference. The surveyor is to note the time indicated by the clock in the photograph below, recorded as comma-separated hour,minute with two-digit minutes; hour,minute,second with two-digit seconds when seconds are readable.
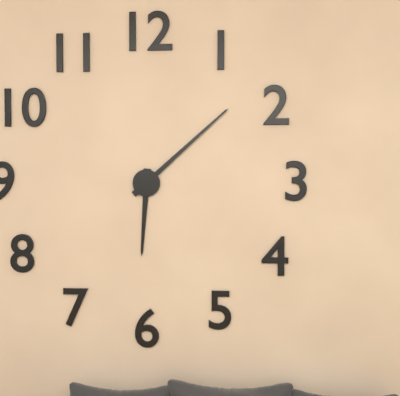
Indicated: 6,08
